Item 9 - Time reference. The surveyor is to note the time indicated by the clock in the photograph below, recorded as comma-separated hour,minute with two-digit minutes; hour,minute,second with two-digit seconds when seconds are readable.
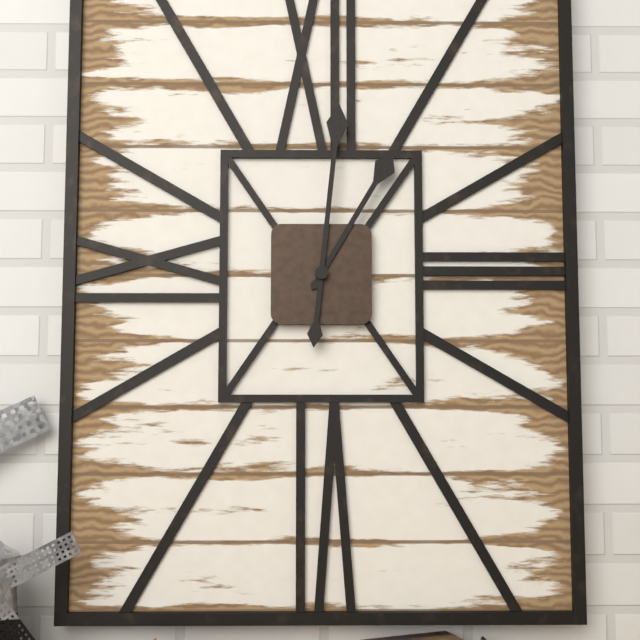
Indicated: 1,01
